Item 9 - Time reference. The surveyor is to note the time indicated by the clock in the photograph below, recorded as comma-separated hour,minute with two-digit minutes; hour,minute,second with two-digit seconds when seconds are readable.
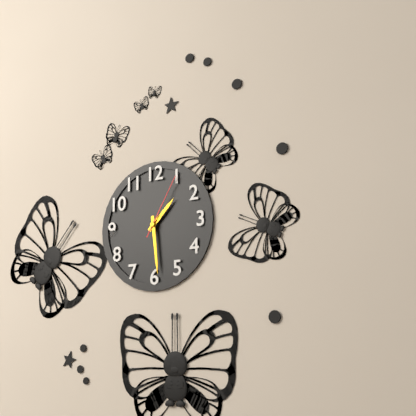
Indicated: 1,29,05
